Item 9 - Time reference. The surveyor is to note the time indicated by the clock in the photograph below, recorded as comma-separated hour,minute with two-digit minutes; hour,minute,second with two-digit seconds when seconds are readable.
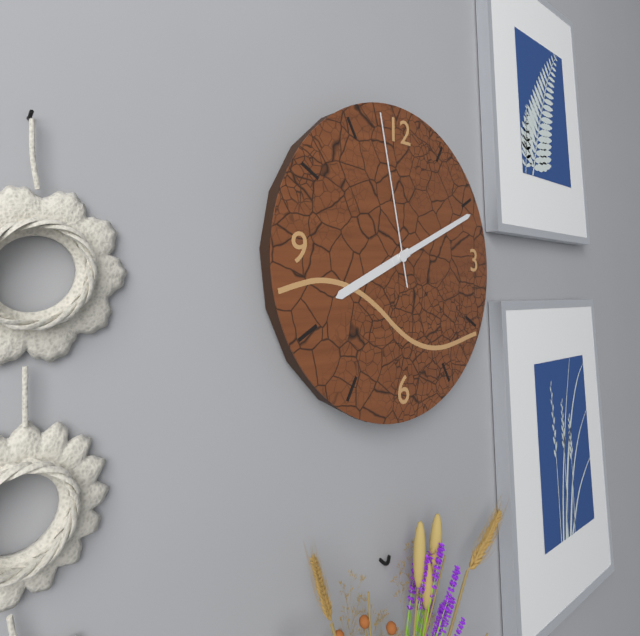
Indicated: 8,11,58
